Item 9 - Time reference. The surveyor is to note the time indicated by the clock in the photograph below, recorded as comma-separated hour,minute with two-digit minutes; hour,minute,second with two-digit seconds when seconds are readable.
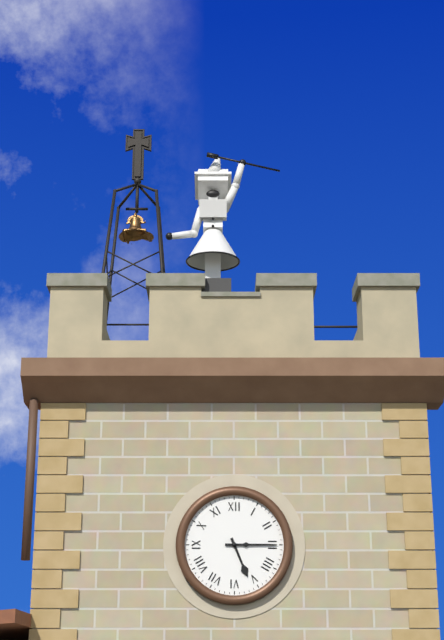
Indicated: 5,15
